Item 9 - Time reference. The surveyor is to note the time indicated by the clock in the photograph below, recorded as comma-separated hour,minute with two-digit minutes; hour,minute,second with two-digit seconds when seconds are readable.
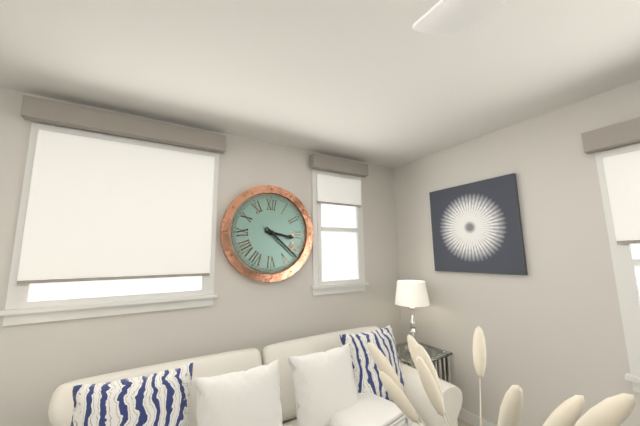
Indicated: 3,22
